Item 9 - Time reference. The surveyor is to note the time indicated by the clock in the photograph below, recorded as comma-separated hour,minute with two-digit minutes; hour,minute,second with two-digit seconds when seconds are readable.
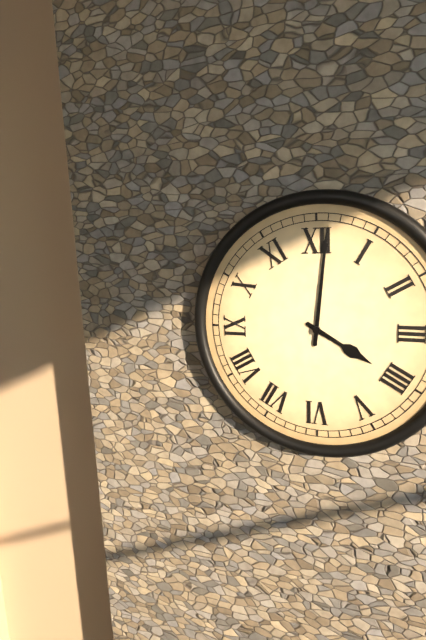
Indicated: 4,01
